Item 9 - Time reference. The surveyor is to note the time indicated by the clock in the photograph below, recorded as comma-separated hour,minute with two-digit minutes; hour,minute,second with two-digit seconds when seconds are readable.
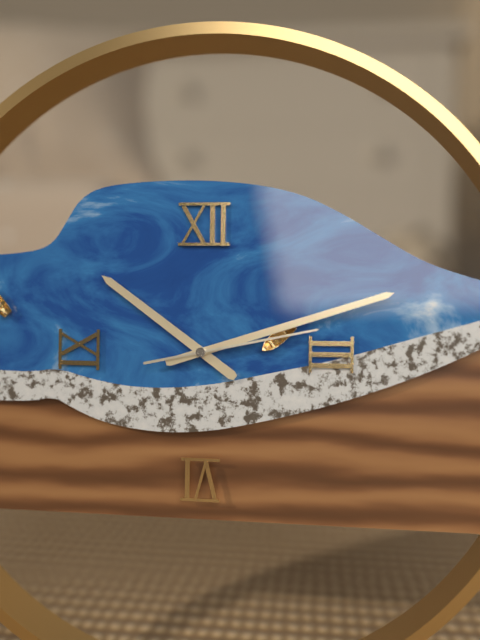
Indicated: 10,12,13
